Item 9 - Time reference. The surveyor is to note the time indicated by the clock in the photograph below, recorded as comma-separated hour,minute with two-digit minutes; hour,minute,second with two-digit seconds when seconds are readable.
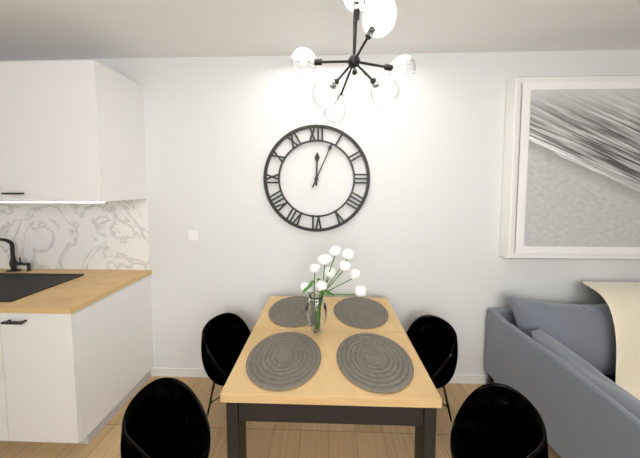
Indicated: 12,04
